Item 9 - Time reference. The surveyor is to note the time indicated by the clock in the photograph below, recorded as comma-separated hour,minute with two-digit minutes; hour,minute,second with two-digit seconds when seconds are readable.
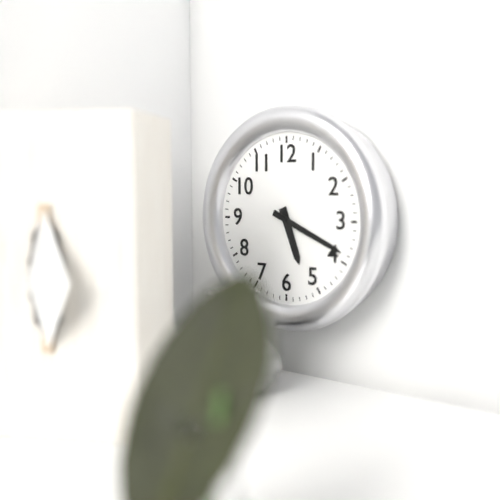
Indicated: 5,19
